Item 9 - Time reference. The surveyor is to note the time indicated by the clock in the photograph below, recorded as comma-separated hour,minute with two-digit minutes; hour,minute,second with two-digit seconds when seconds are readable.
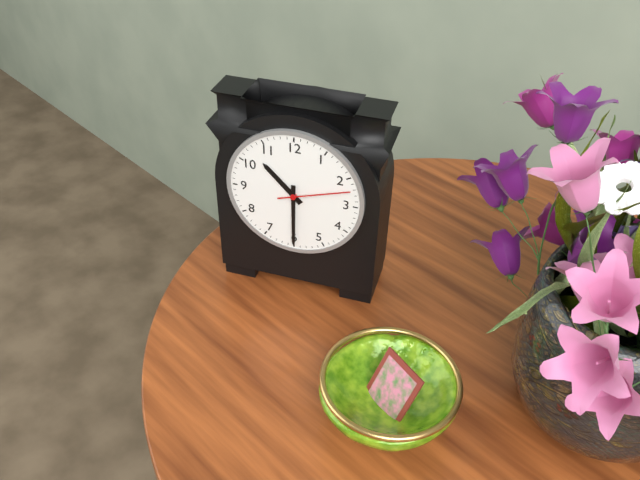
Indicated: 10,30,12
